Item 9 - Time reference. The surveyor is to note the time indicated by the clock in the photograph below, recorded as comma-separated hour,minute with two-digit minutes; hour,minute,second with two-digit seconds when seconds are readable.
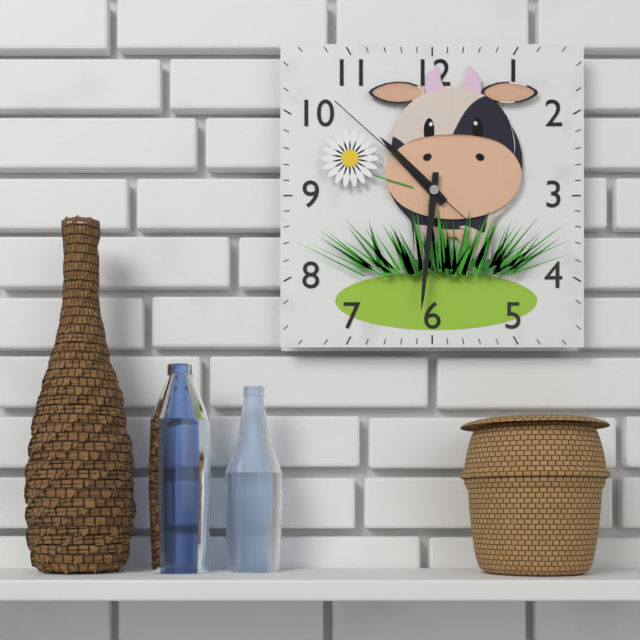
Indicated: 10,31,52
